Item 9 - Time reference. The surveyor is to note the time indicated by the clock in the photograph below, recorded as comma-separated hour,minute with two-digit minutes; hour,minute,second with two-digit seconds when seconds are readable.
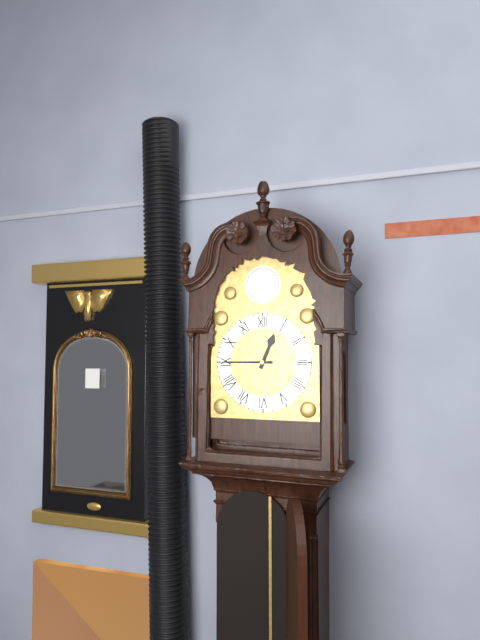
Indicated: 12,45
